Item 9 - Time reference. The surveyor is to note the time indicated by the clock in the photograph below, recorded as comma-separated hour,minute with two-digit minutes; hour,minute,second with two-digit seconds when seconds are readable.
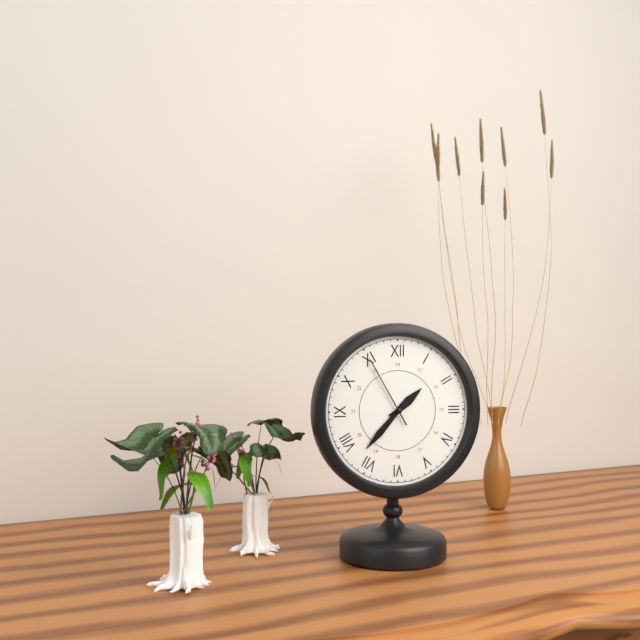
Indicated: 1,37,55
